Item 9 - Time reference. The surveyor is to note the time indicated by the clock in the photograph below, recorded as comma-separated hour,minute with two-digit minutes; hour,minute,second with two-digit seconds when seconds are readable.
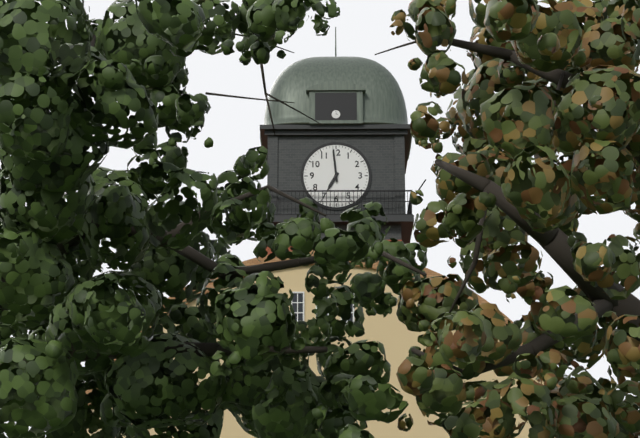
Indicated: 6,59
